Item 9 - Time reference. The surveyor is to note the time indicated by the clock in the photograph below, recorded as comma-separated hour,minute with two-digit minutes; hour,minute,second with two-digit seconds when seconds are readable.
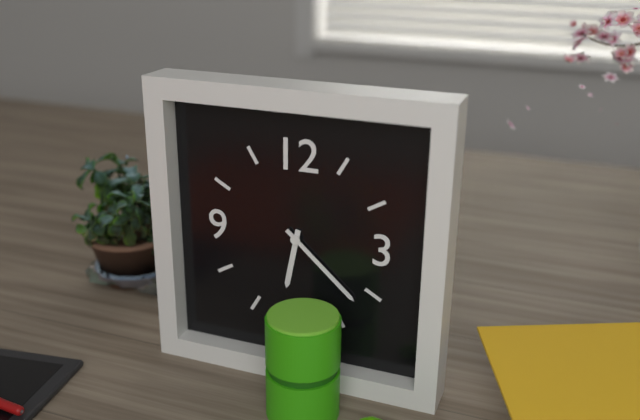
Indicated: 6,22
